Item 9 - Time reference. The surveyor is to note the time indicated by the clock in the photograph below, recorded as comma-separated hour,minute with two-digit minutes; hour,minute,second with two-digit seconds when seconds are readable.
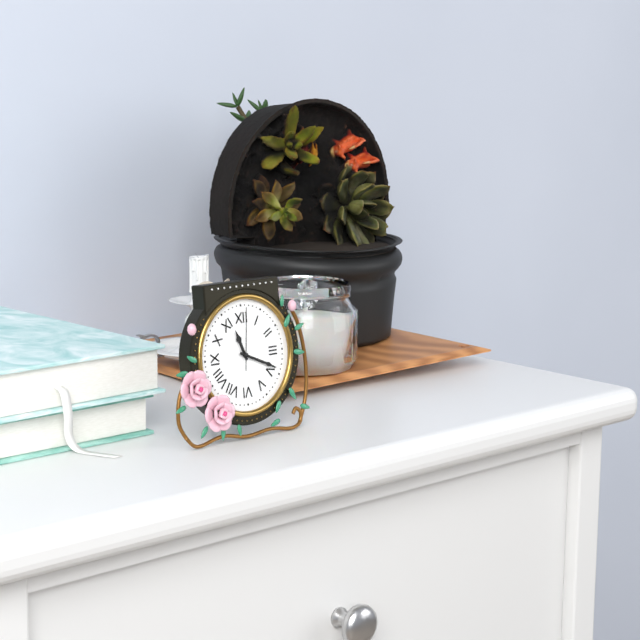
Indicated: 11,19,01
